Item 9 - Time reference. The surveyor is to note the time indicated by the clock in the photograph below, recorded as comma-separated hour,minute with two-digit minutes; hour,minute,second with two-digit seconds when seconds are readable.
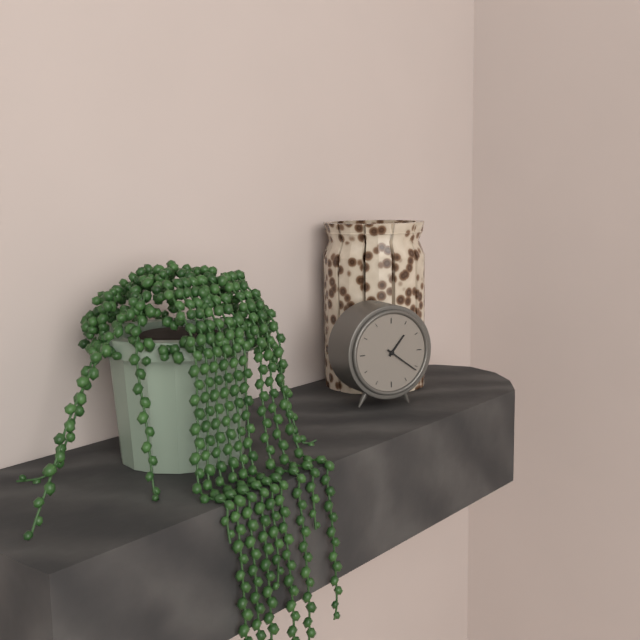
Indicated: 1,21
